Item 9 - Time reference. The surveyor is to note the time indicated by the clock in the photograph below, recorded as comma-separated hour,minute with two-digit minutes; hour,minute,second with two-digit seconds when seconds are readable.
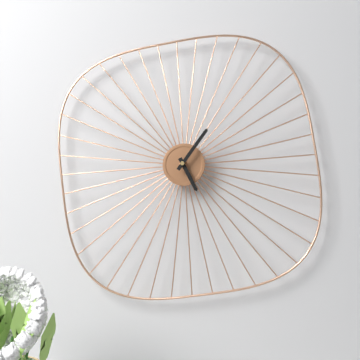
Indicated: 5,06
